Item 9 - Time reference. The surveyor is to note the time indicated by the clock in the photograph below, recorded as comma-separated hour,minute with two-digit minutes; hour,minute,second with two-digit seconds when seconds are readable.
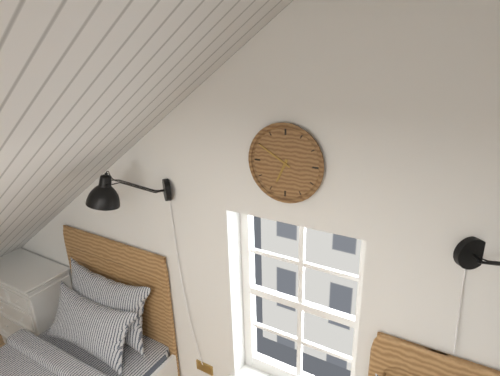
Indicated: 6,50
